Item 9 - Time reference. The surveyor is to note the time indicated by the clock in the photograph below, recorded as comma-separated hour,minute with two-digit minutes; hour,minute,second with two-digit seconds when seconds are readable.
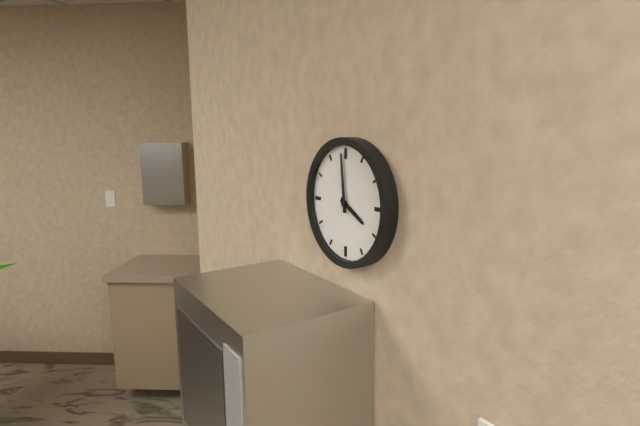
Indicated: 3,59
